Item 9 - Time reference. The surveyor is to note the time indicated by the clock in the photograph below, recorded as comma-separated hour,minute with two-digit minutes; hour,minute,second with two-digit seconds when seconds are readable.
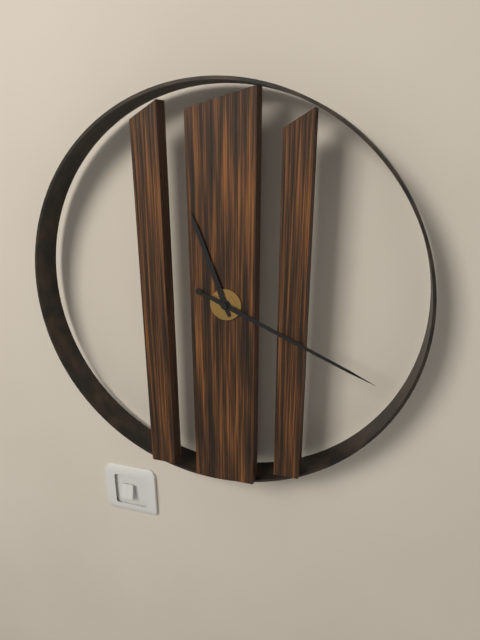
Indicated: 11,19
